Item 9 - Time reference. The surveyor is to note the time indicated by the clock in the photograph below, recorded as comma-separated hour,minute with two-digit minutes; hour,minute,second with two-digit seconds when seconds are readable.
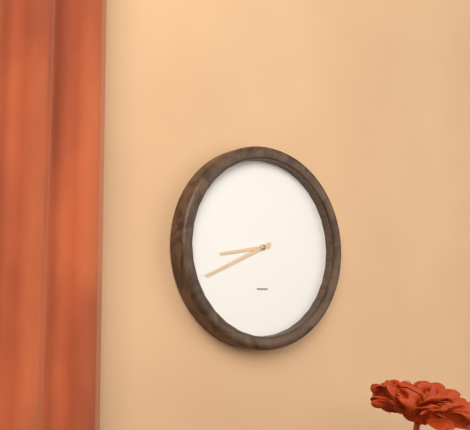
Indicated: 8,41
